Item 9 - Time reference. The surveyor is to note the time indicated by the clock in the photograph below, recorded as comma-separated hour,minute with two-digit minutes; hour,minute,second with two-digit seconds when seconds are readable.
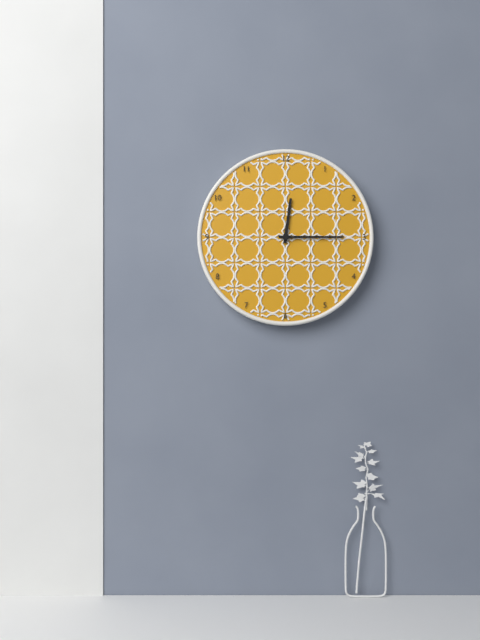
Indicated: 12,15
